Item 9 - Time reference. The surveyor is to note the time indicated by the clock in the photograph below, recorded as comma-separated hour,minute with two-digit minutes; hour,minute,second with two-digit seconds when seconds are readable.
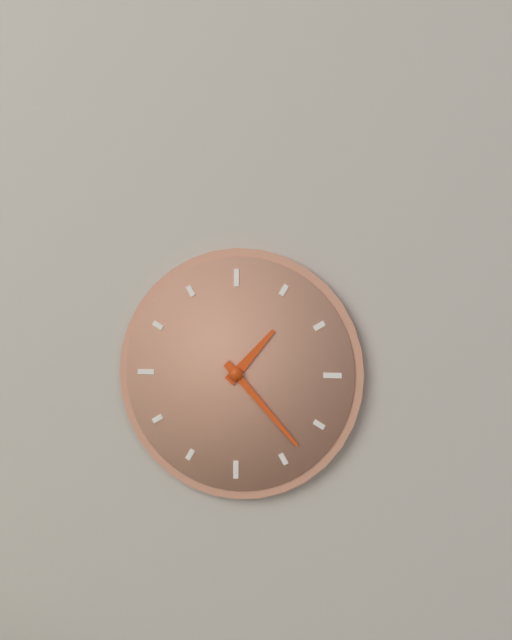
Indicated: 1,23
